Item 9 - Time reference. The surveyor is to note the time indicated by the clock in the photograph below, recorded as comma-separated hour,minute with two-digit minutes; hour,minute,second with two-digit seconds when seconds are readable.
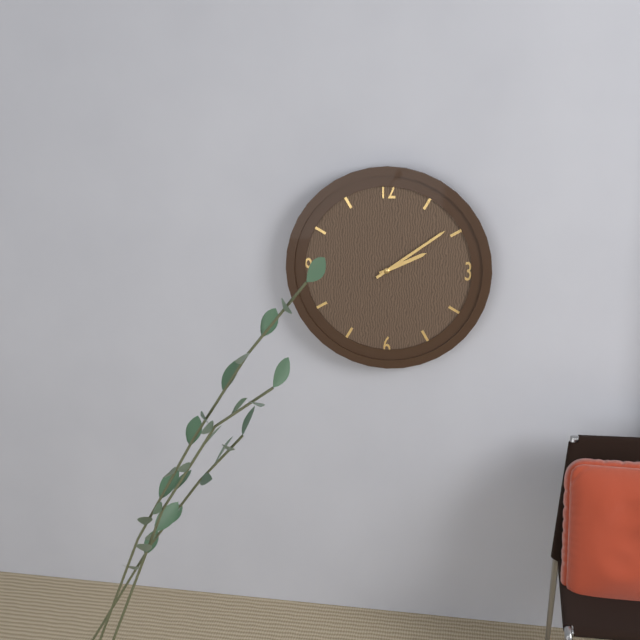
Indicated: 2,09
